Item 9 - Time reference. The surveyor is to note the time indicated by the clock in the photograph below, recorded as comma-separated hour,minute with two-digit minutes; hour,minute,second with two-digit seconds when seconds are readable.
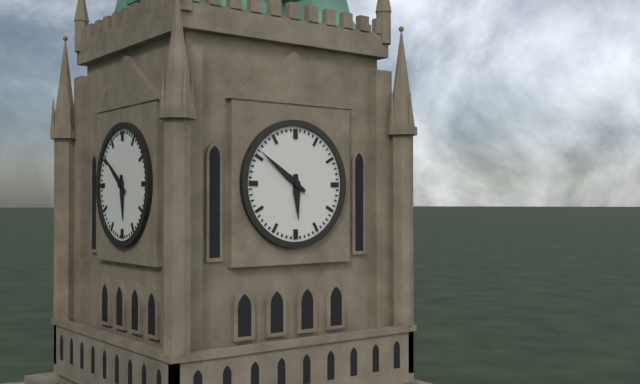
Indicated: 5,51
